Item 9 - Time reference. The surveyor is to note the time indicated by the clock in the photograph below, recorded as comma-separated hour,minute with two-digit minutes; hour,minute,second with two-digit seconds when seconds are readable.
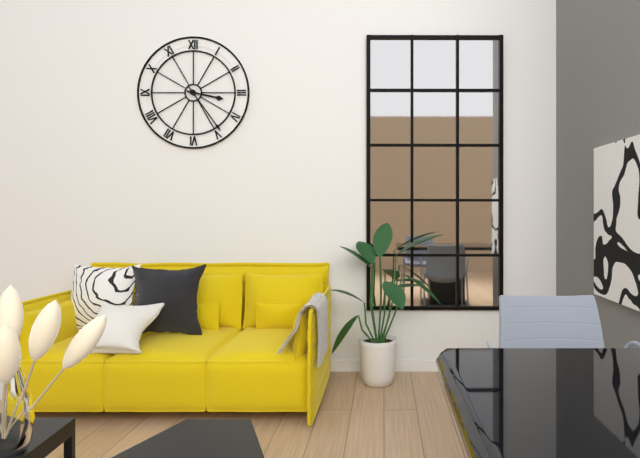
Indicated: 3,24
